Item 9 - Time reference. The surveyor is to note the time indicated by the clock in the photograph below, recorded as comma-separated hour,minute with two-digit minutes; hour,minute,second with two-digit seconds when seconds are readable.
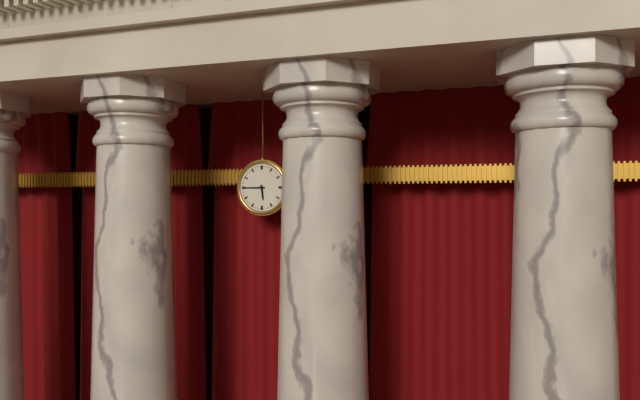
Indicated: 5,45
